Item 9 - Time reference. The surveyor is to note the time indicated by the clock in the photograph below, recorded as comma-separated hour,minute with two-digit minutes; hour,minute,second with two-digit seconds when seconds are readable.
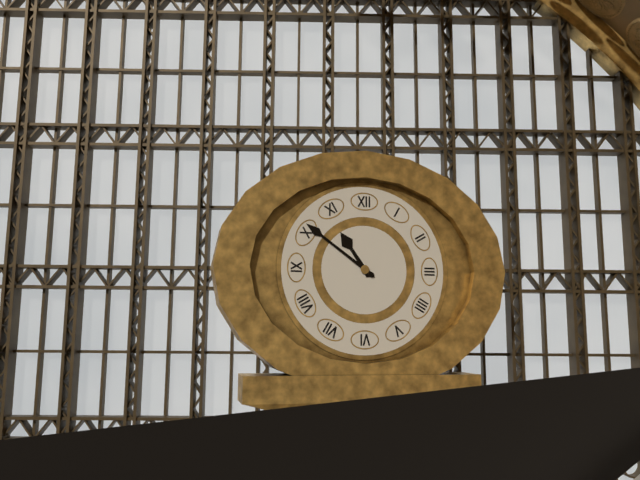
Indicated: 10,51
